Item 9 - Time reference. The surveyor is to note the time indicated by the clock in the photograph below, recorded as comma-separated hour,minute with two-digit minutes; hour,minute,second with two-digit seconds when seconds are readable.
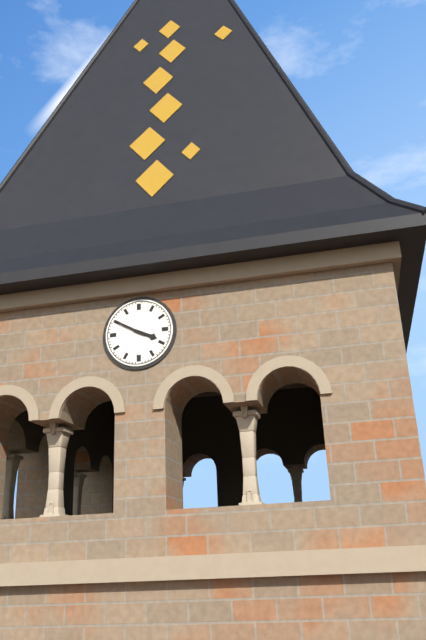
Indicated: 3,50
